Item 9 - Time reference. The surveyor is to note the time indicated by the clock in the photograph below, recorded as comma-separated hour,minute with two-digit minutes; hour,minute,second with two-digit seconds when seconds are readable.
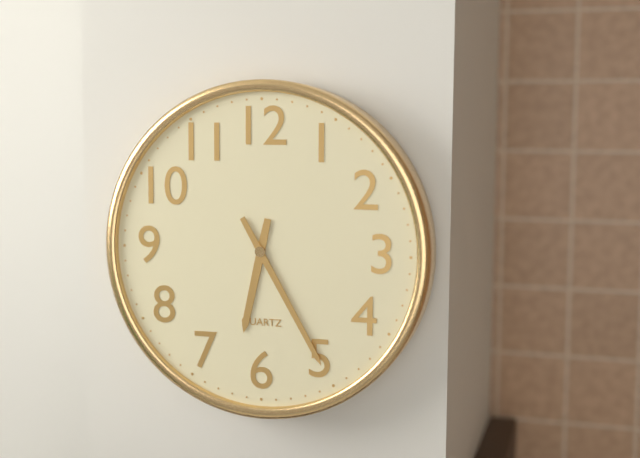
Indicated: 6,25
